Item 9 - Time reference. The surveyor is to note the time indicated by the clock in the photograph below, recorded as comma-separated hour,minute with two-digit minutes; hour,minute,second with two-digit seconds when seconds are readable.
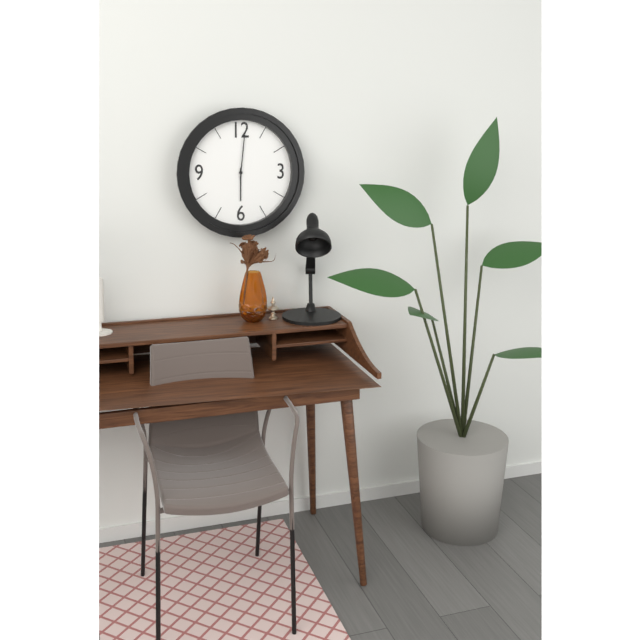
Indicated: 6,01
